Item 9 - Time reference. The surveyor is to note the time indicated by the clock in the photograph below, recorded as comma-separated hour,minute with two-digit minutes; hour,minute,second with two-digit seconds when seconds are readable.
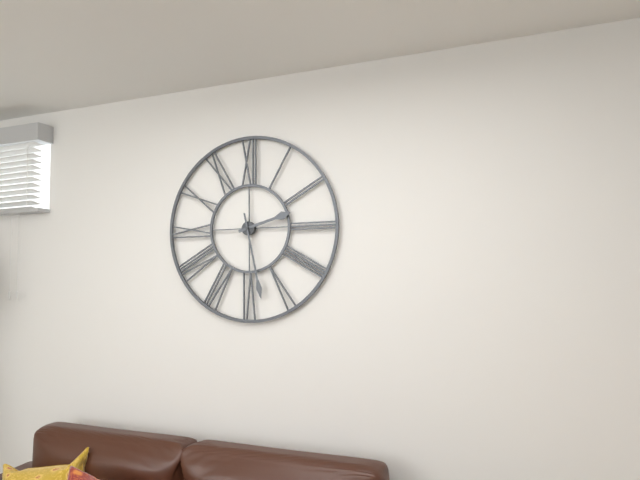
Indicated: 2,28
